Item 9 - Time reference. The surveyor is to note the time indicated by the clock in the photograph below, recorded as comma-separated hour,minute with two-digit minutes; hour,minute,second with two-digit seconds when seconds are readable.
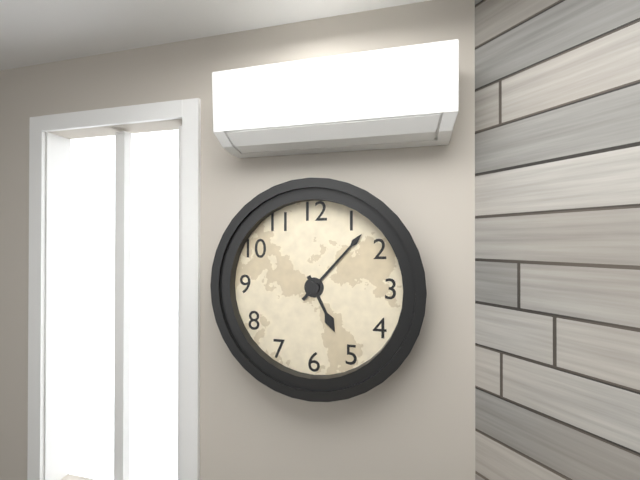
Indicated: 5,07
